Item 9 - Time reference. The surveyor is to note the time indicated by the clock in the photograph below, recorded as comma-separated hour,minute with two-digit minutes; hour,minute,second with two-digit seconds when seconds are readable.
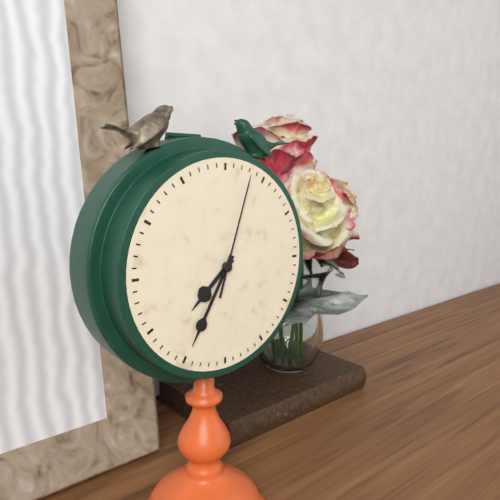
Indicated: 7,35,03
